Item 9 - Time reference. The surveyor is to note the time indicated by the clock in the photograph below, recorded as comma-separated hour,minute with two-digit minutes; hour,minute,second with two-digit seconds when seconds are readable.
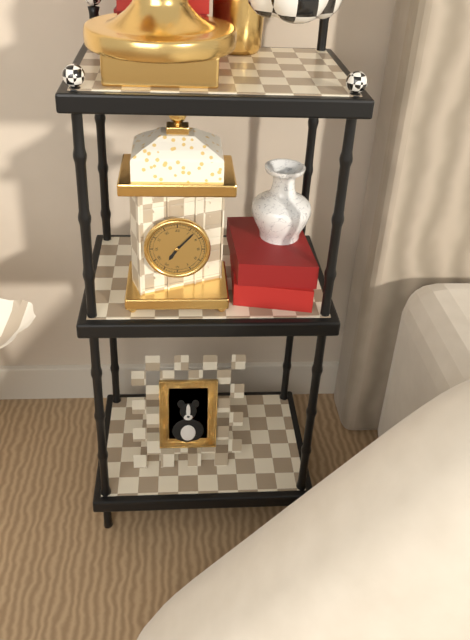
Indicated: 7,07
